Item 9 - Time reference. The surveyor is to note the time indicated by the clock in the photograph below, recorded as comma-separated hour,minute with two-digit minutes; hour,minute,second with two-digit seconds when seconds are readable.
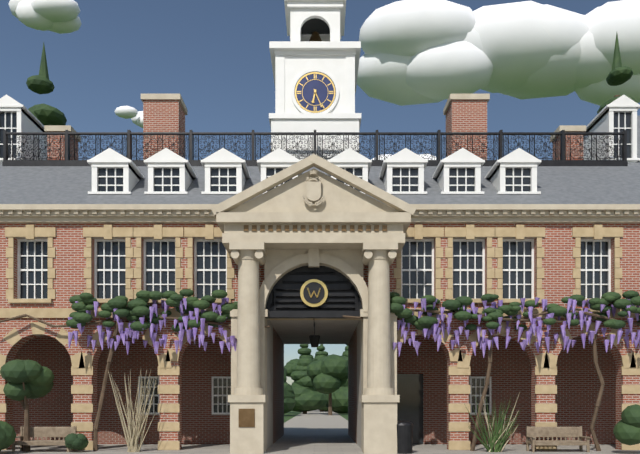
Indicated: 6,26
